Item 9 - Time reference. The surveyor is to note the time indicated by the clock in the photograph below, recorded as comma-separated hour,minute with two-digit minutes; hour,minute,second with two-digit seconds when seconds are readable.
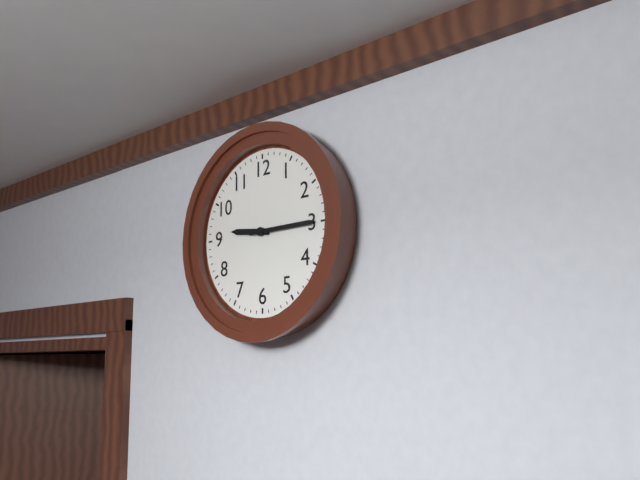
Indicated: 9,15
